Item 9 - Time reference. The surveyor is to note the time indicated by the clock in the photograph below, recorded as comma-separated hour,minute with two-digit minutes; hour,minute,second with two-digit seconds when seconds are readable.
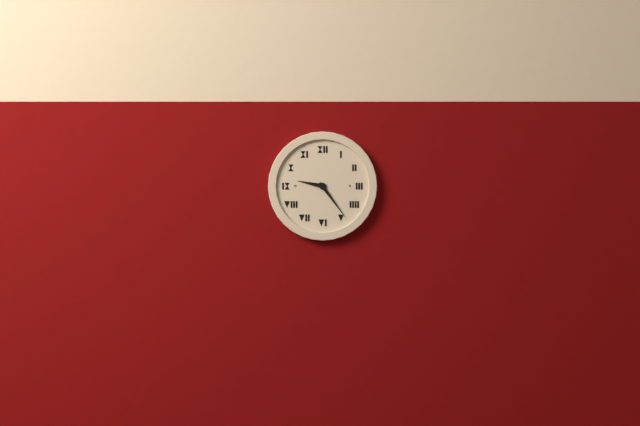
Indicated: 9,24
